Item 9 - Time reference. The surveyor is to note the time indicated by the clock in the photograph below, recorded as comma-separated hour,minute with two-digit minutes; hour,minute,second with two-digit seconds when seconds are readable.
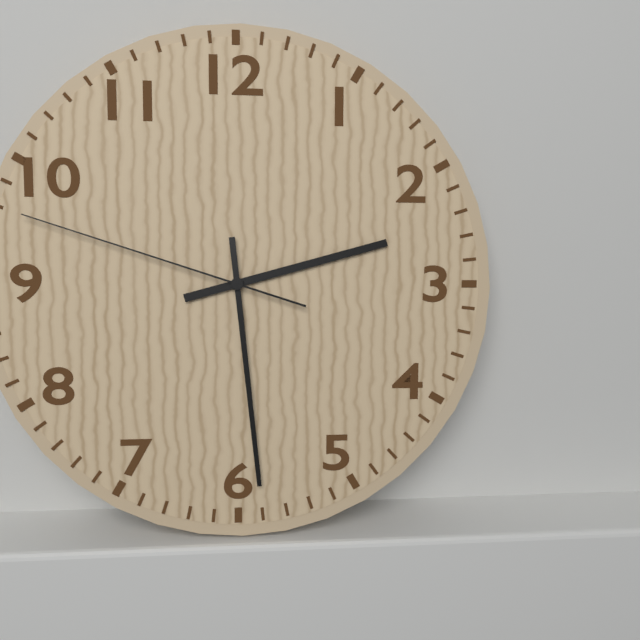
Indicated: 2,29,48
